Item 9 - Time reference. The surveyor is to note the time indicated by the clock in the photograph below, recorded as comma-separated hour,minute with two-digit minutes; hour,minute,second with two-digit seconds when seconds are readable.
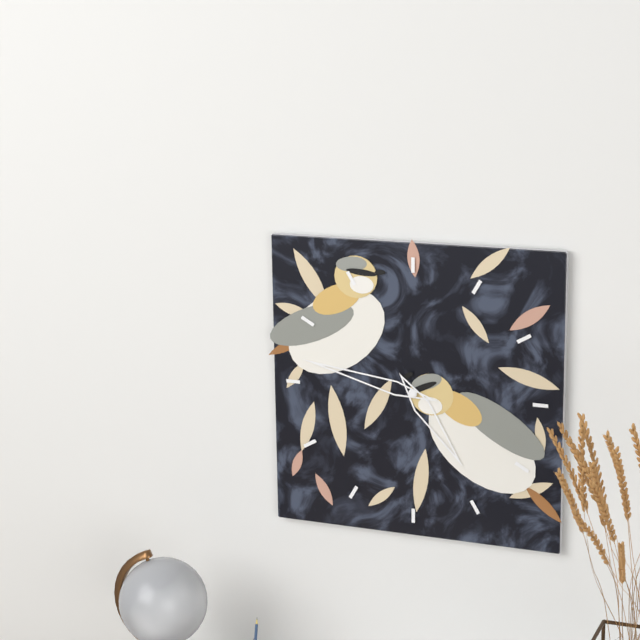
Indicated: 4,47
